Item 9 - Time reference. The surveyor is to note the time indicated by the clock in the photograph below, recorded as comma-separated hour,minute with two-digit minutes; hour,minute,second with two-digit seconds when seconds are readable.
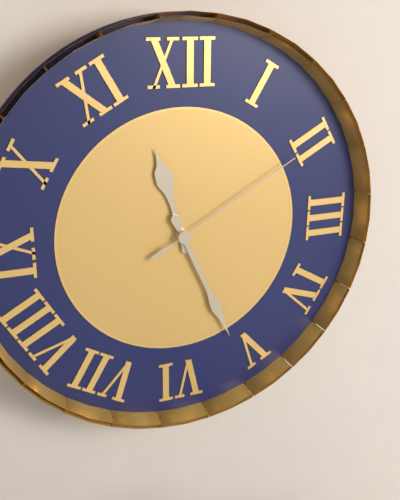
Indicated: 11,26,10
